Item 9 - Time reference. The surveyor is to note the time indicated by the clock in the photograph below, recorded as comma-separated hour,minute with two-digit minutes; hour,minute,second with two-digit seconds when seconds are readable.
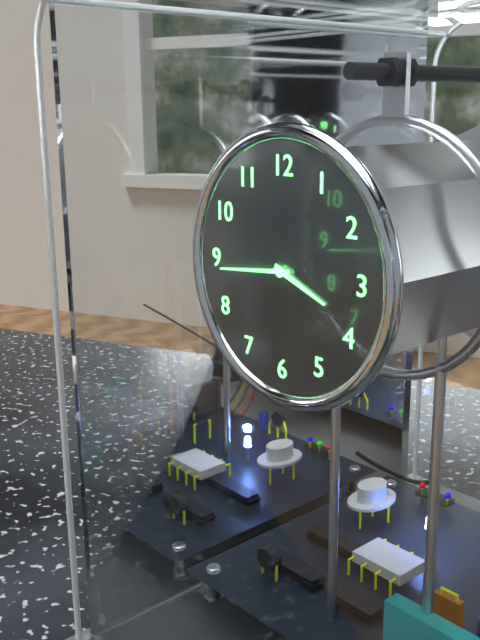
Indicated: 3,44
